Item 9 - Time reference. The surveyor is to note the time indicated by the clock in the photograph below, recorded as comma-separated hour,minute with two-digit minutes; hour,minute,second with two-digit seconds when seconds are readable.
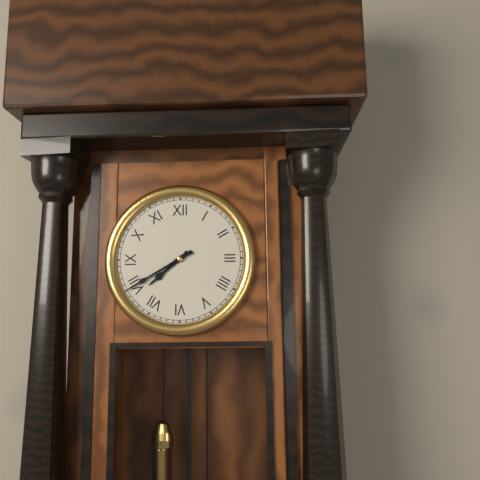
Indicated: 7,40
